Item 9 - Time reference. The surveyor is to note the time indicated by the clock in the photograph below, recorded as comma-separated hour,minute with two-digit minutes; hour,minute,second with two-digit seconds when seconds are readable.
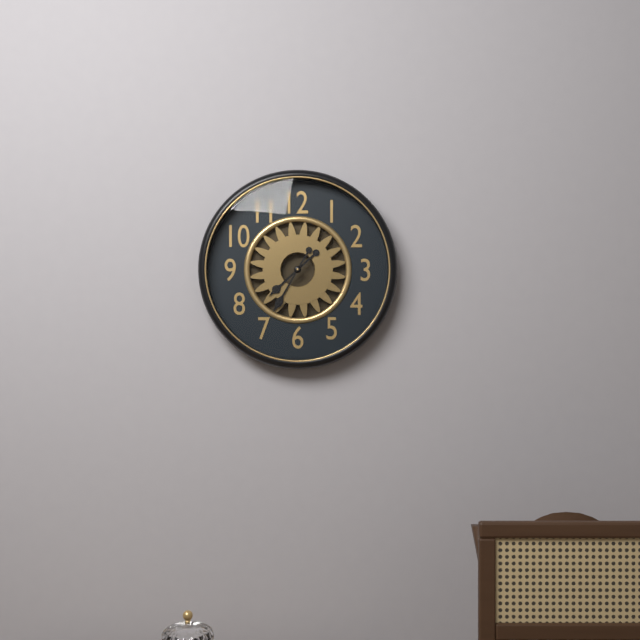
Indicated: 7,35
